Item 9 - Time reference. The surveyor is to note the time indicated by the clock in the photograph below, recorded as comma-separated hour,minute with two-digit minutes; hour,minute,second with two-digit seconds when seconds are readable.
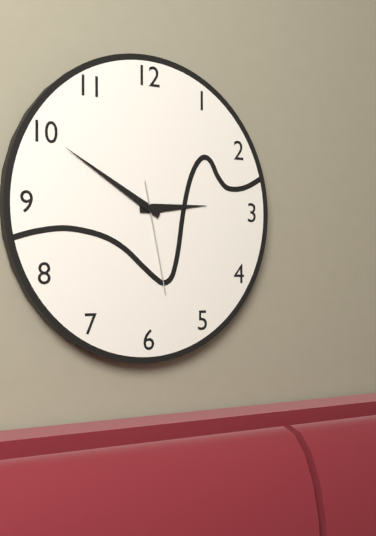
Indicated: 2,50,28
